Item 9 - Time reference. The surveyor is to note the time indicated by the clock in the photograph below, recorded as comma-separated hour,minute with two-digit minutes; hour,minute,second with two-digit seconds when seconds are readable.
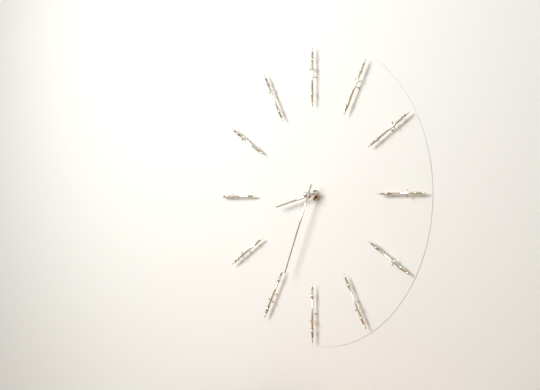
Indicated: 8,34
